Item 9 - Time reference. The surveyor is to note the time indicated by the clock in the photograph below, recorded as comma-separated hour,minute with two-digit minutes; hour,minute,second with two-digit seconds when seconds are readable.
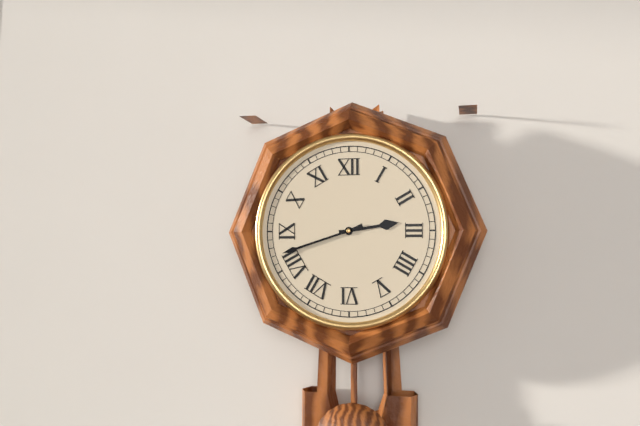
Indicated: 2,42
